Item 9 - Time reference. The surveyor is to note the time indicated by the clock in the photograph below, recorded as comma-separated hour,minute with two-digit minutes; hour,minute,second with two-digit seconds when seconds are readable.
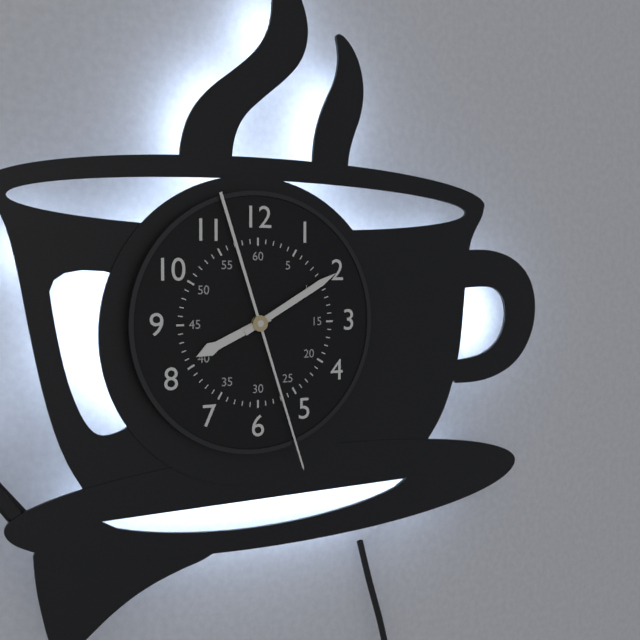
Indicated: 8,10,27
